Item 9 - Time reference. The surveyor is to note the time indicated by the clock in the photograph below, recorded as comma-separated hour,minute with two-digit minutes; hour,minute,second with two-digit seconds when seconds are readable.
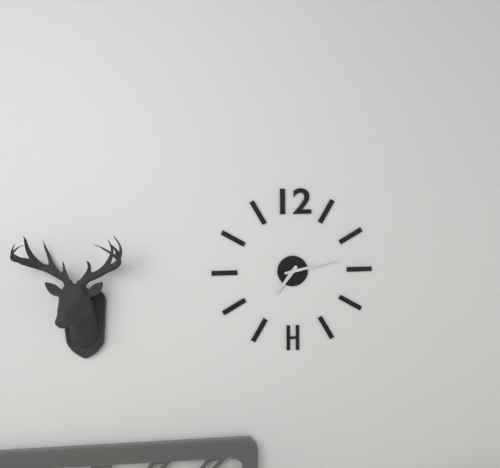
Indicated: 7,13
